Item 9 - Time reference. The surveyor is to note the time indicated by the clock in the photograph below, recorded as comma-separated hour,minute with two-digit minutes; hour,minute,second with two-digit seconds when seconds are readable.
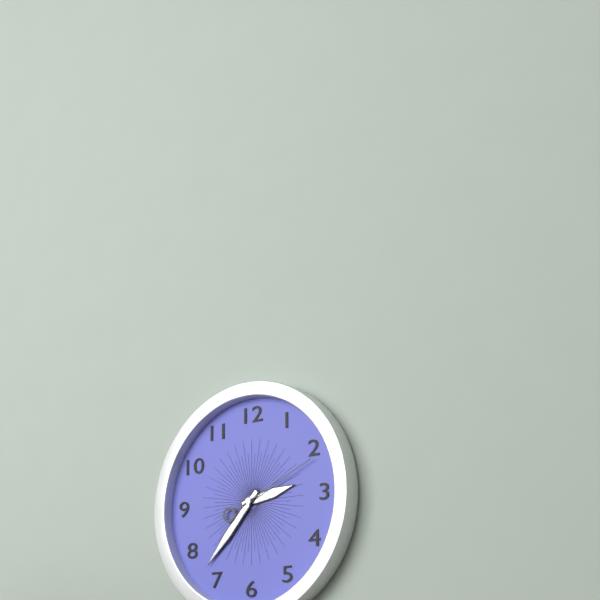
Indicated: 2,37,11
